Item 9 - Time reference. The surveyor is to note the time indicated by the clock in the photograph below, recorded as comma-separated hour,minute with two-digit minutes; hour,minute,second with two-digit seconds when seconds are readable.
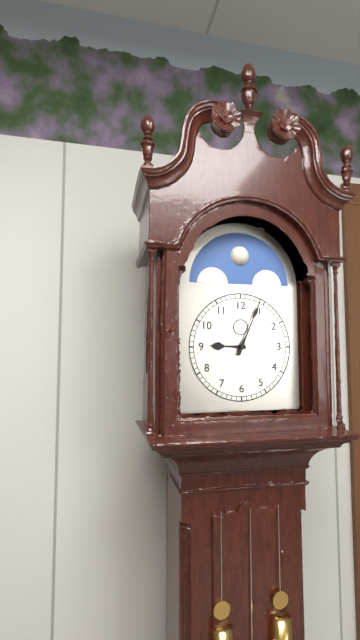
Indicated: 9,04
